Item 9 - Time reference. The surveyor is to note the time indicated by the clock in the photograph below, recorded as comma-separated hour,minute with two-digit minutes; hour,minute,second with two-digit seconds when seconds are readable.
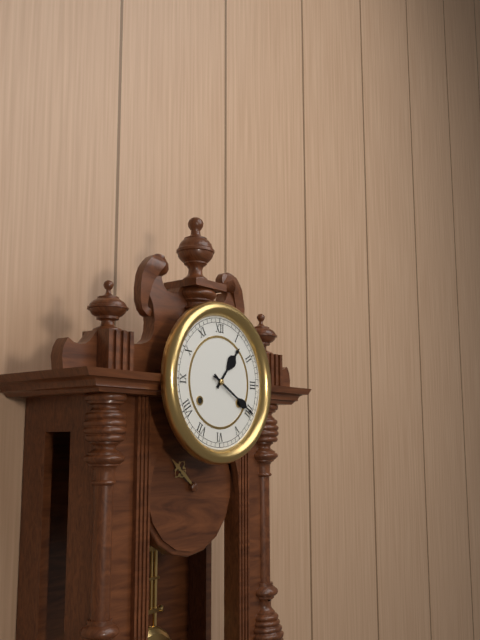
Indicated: 1,20
